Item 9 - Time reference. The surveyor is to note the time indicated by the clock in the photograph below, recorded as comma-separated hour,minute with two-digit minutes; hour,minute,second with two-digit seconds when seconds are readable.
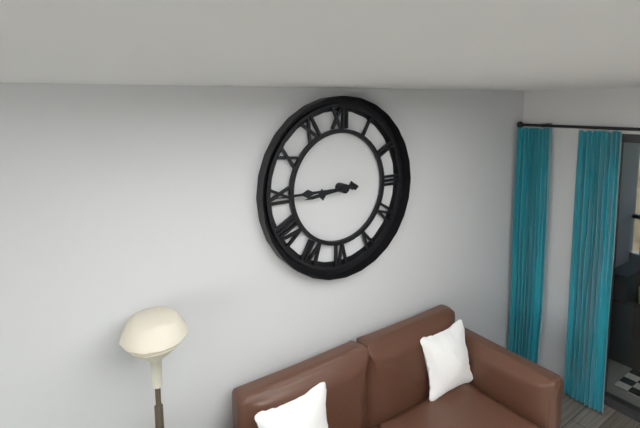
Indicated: 8,45
